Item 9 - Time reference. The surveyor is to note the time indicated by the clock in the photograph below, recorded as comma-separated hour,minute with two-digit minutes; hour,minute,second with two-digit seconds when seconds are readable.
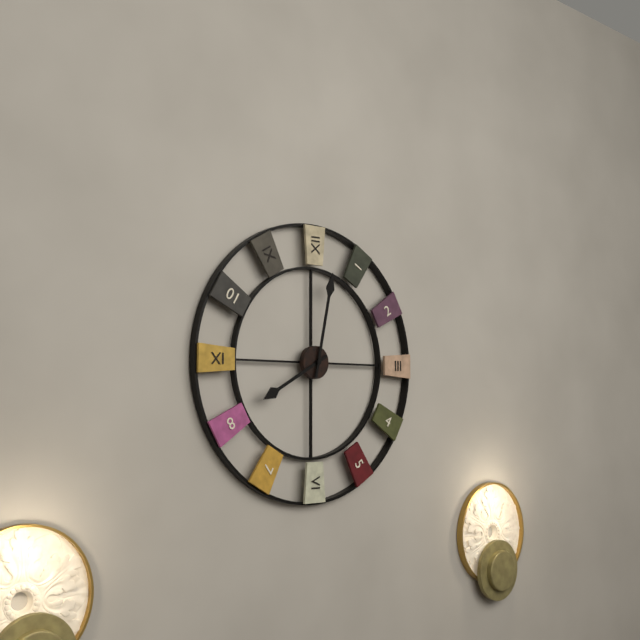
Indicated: 8,02
